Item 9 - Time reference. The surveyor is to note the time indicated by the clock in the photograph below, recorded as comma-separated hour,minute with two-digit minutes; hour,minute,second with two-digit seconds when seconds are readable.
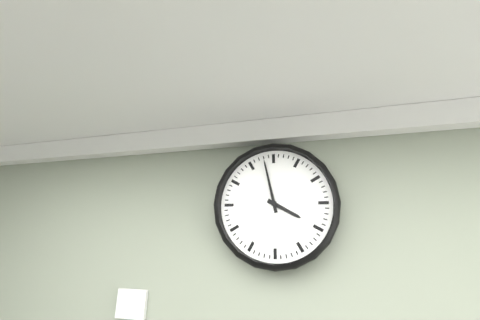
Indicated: 3,58
